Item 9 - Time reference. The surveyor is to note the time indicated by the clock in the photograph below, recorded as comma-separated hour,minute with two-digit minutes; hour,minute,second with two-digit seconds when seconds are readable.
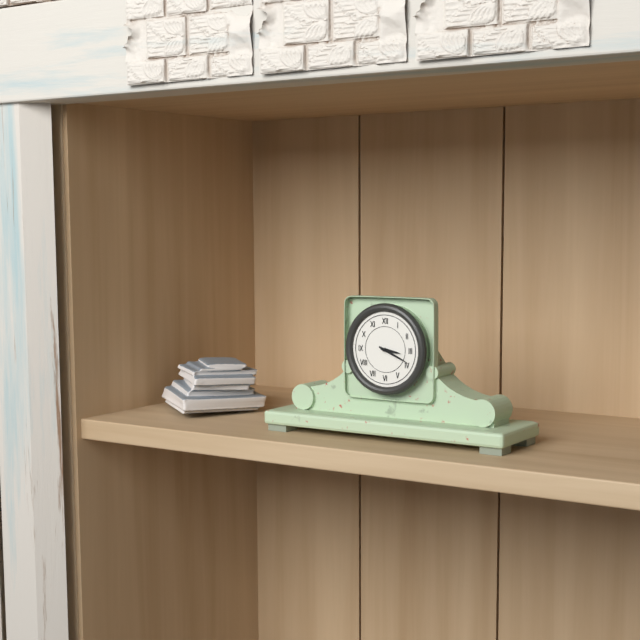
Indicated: 3,19
